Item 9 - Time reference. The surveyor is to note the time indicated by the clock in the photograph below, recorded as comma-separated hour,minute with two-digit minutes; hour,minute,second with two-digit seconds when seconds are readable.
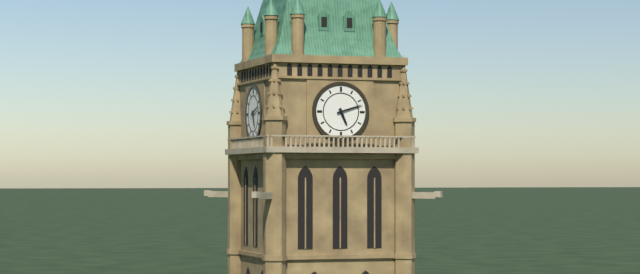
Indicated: 5,12
